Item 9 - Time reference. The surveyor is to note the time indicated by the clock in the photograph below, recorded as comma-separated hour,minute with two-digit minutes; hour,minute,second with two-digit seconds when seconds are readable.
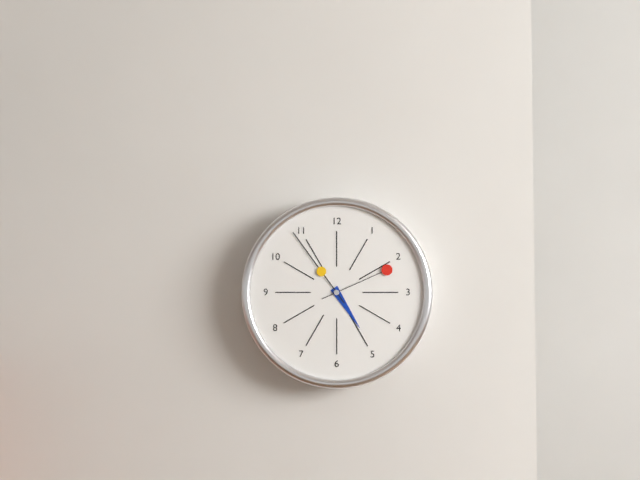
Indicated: 4,54,11
